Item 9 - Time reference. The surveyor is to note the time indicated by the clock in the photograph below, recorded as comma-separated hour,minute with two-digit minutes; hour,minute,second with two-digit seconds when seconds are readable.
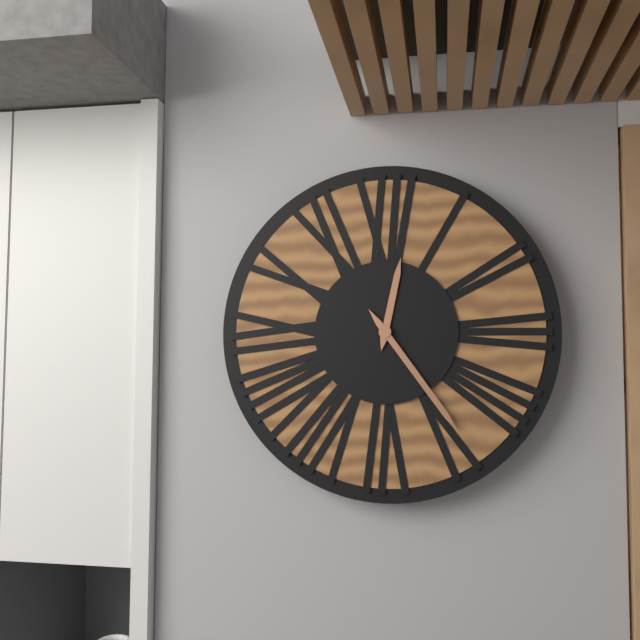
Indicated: 12,24
